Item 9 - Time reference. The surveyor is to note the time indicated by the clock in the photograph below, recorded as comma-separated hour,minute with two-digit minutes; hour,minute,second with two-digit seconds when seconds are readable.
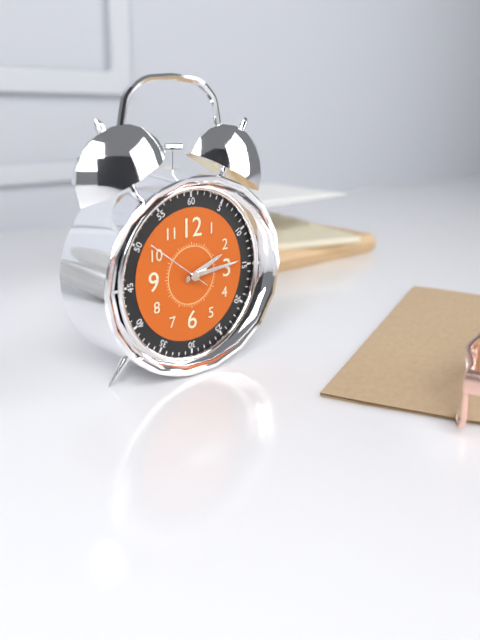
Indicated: 2,14,51
